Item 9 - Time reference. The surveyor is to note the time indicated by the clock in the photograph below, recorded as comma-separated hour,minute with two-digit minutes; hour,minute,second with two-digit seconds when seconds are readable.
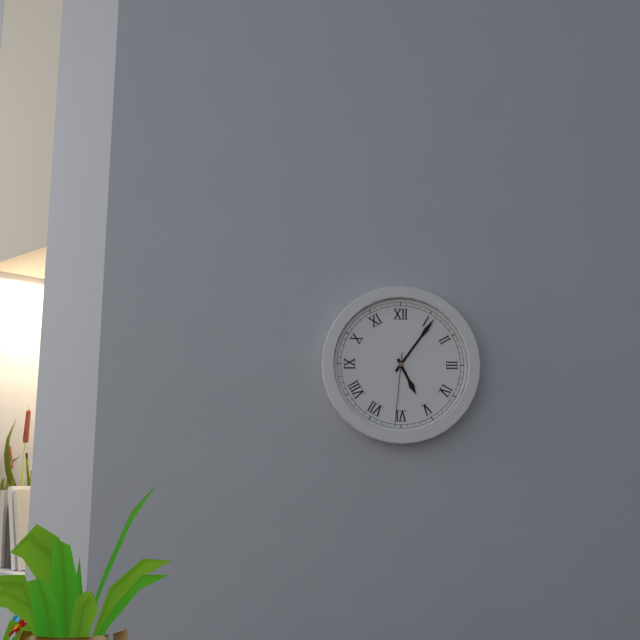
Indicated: 5,06,31
